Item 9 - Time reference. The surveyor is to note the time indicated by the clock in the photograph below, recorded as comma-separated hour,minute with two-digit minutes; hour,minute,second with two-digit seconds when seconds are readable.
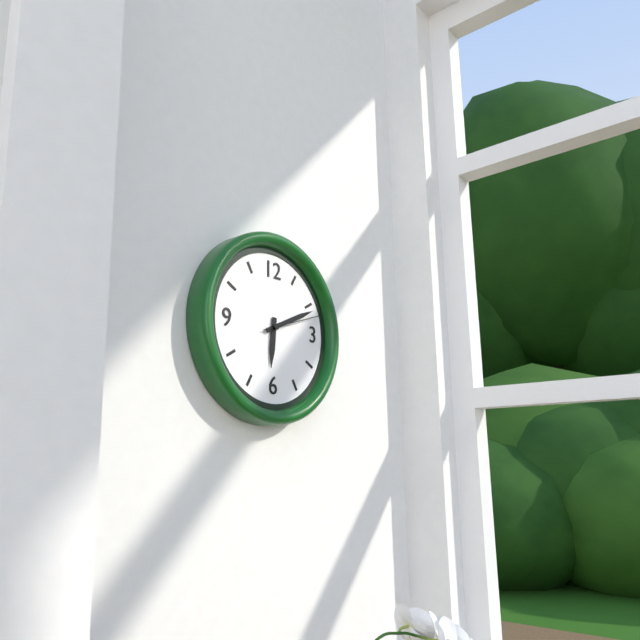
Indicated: 6,11,12
